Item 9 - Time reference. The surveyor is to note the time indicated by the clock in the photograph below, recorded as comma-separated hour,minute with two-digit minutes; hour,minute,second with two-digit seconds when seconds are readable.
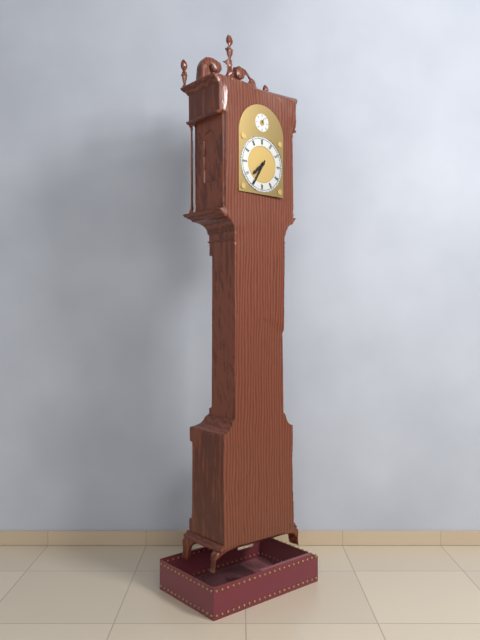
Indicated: 7,35
